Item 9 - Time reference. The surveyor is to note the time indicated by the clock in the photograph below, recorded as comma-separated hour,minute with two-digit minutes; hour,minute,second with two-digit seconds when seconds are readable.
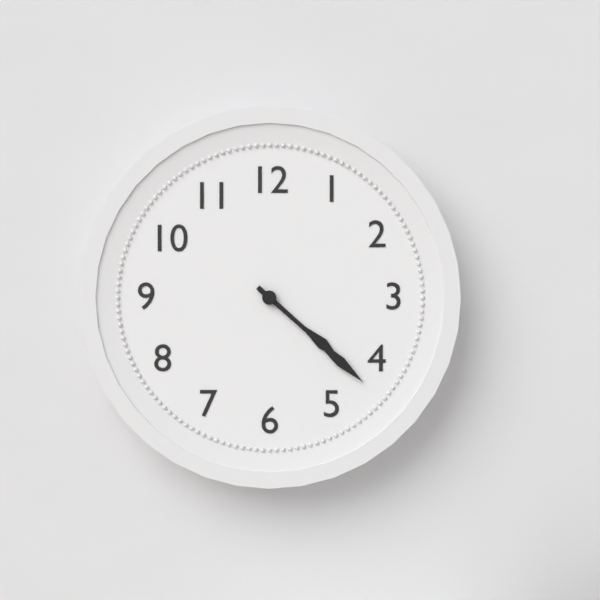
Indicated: 4,22
